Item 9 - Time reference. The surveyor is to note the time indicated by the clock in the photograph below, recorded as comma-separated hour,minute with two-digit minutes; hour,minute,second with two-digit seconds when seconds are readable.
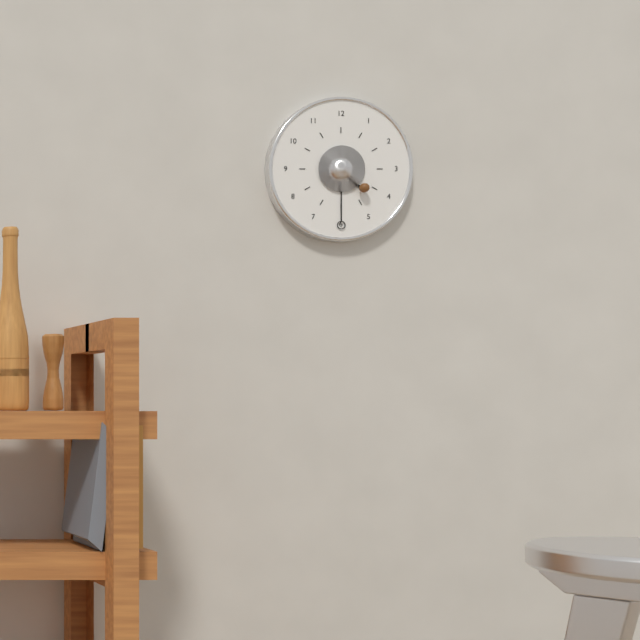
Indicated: 4,30
